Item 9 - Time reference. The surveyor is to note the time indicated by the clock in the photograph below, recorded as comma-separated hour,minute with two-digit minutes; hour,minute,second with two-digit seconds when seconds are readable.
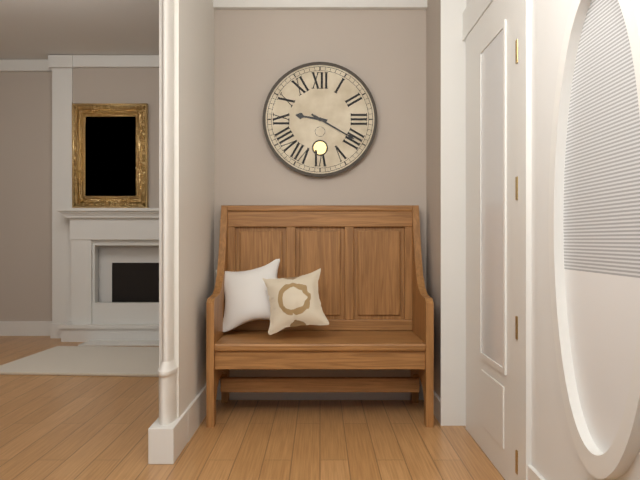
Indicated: 9,20
